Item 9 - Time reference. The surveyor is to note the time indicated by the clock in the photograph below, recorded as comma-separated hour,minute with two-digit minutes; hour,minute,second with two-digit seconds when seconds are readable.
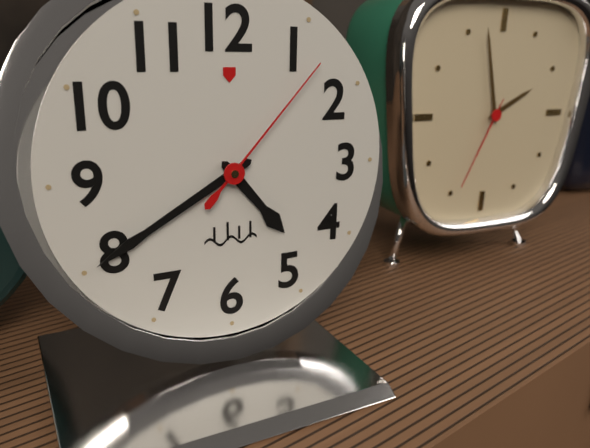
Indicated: 4,40,07
